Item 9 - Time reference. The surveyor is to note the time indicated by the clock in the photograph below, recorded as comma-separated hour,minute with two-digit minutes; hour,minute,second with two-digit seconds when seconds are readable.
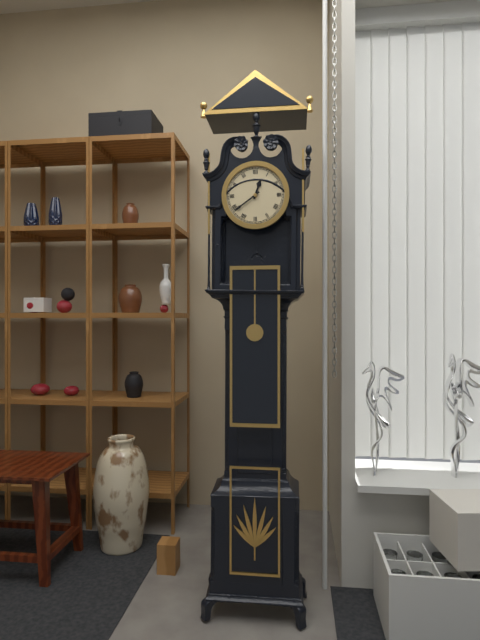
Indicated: 12,39
